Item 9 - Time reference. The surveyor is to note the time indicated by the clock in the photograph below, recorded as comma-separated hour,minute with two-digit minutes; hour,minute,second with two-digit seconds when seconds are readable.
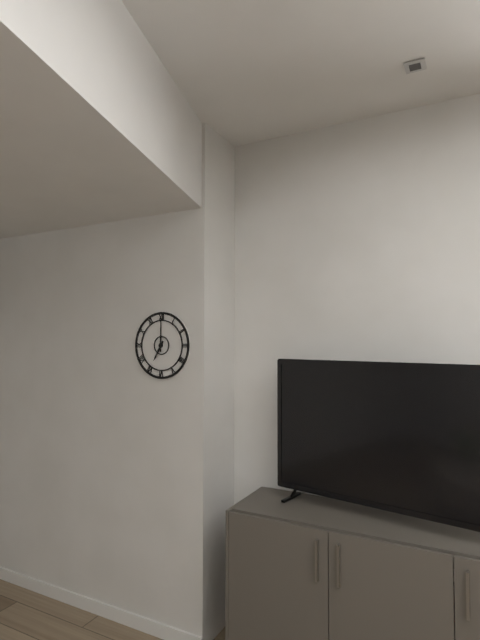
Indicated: 7,00
